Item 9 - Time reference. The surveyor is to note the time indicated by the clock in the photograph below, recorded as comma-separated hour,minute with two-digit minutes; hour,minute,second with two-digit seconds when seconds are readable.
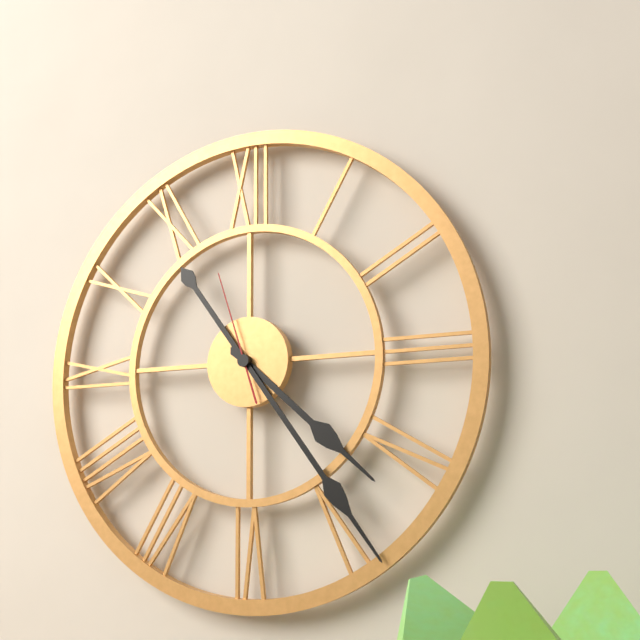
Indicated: 4,24,57
